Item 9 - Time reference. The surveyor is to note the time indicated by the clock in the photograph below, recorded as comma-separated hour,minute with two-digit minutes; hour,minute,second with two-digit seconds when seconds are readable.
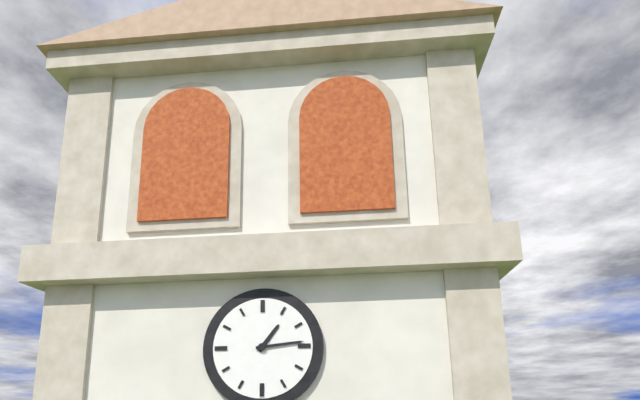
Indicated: 1,14
